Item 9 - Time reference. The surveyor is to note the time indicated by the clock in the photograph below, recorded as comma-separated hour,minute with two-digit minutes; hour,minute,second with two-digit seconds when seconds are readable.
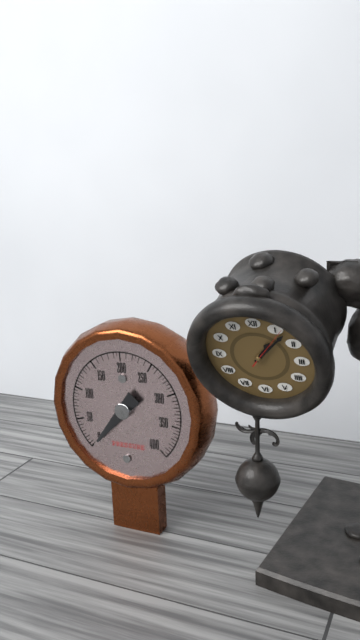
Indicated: 1,07
